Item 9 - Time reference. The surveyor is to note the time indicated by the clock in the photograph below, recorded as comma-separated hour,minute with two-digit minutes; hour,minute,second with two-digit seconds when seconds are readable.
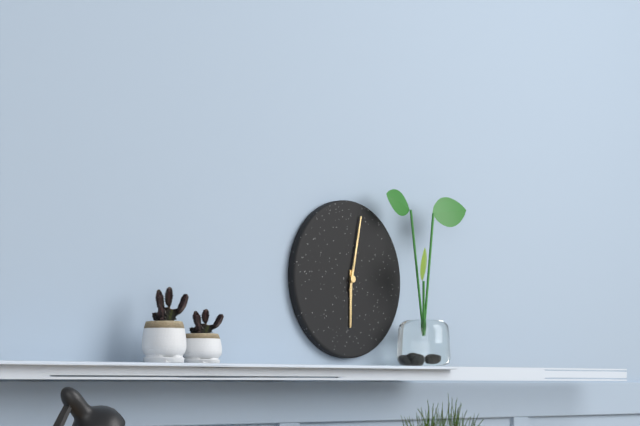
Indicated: 6,02
